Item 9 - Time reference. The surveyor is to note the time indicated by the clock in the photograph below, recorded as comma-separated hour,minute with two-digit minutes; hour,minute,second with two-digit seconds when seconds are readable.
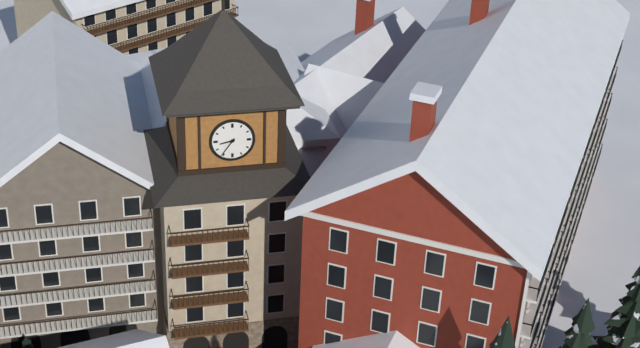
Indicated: 8,36
